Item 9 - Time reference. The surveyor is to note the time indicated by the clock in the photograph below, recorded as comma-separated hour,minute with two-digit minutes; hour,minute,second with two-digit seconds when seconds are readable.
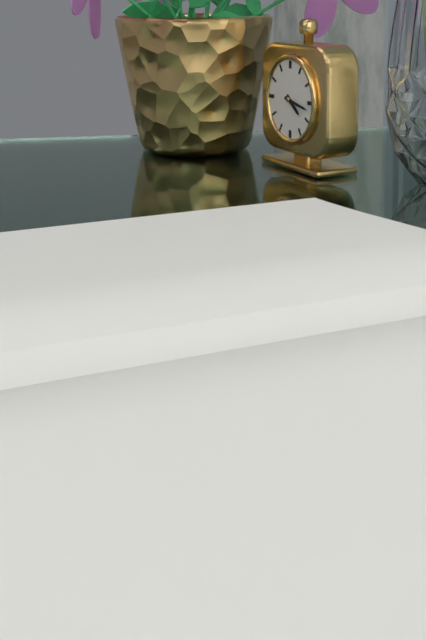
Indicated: 4,17
